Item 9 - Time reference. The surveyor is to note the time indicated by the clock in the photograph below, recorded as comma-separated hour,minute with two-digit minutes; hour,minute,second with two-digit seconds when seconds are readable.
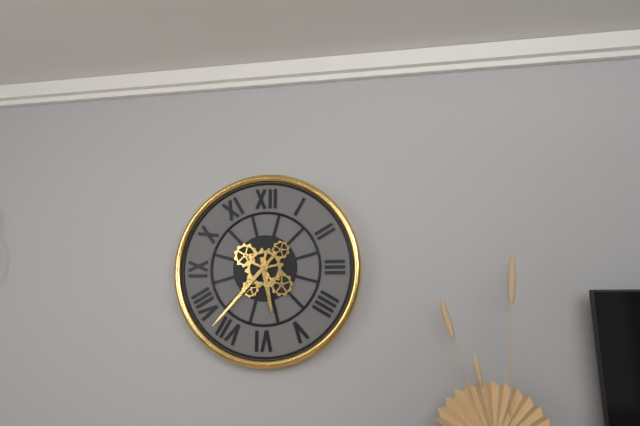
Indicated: 5,37
